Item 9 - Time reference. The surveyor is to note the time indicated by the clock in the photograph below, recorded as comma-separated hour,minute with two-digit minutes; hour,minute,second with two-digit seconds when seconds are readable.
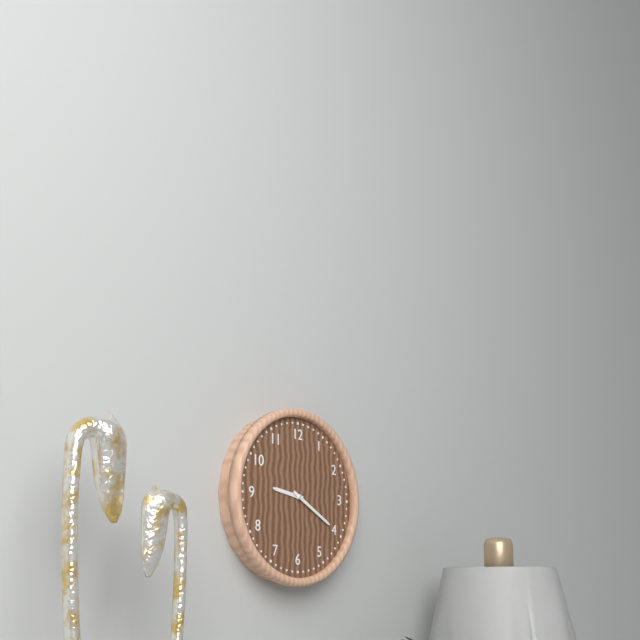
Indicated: 9,20
